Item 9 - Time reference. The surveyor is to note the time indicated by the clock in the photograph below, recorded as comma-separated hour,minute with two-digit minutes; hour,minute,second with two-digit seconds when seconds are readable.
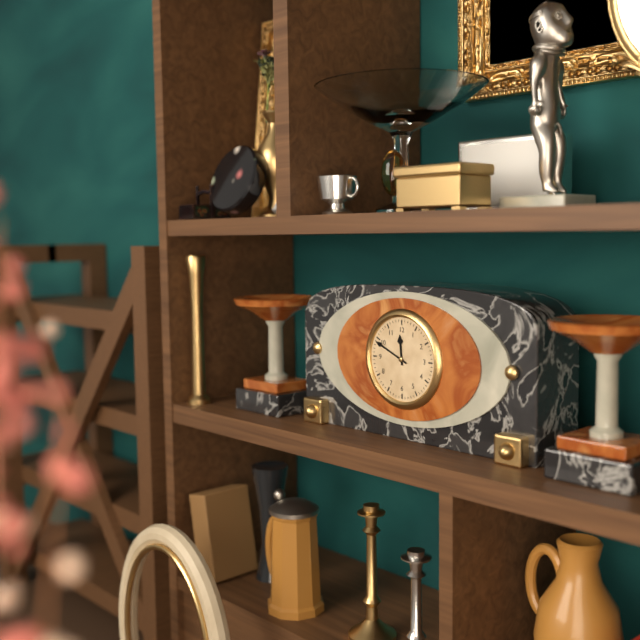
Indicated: 11,49
